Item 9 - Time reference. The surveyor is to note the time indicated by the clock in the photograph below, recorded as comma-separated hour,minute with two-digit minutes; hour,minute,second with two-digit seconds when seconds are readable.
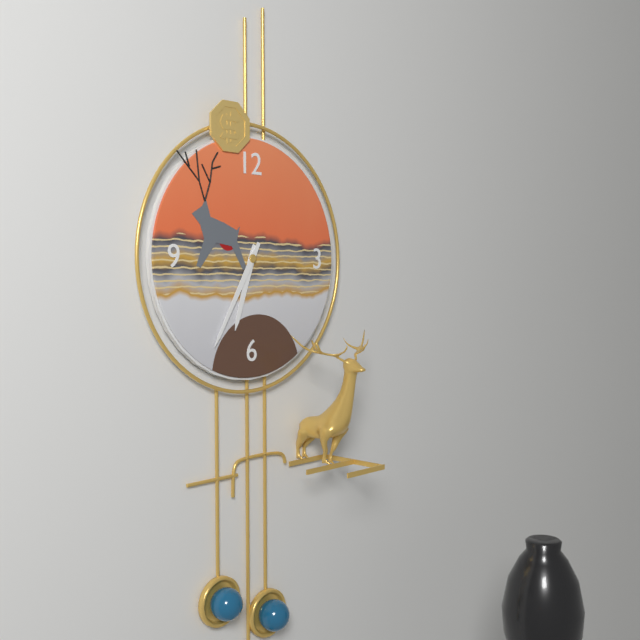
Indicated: 6,35
